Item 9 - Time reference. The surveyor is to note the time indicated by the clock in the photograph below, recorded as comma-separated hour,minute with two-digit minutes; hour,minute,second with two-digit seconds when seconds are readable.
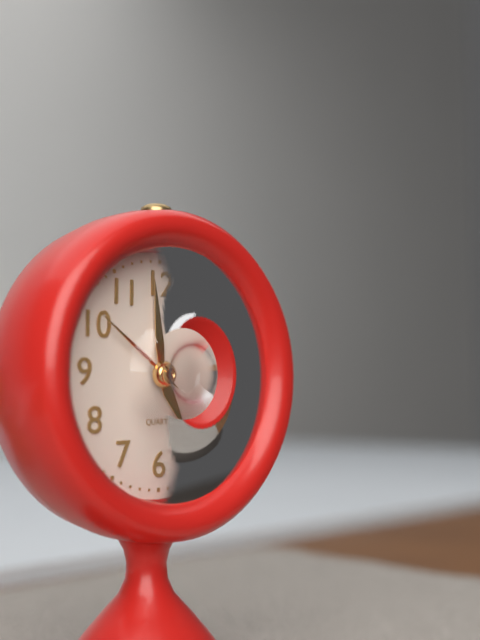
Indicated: 4,59,51
